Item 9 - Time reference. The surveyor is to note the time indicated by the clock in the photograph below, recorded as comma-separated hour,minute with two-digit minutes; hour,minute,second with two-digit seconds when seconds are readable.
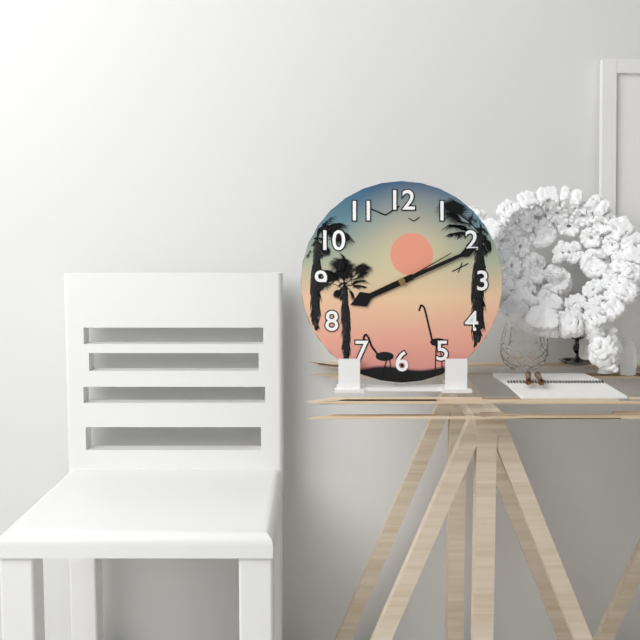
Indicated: 8,11,10
